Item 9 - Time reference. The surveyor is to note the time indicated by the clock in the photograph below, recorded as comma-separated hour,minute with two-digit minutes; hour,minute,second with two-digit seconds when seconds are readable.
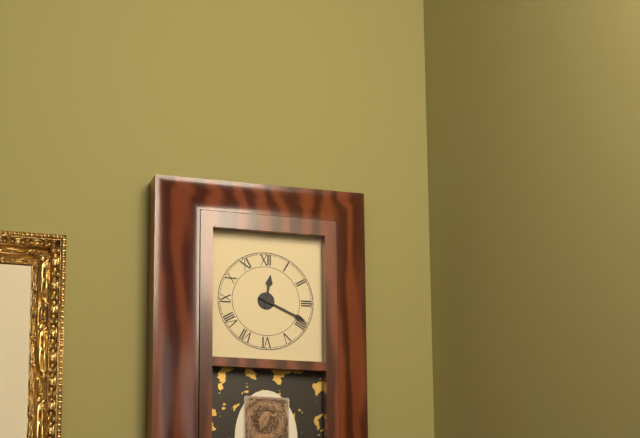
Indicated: 12,19
